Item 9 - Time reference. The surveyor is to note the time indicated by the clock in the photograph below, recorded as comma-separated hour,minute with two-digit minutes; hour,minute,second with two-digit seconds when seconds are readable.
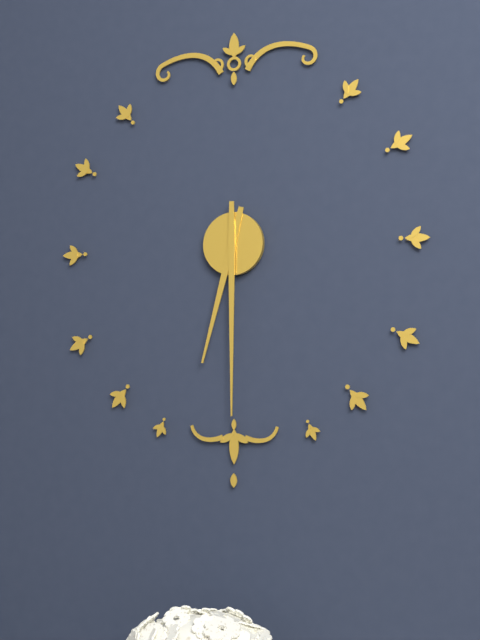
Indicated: 6,30
